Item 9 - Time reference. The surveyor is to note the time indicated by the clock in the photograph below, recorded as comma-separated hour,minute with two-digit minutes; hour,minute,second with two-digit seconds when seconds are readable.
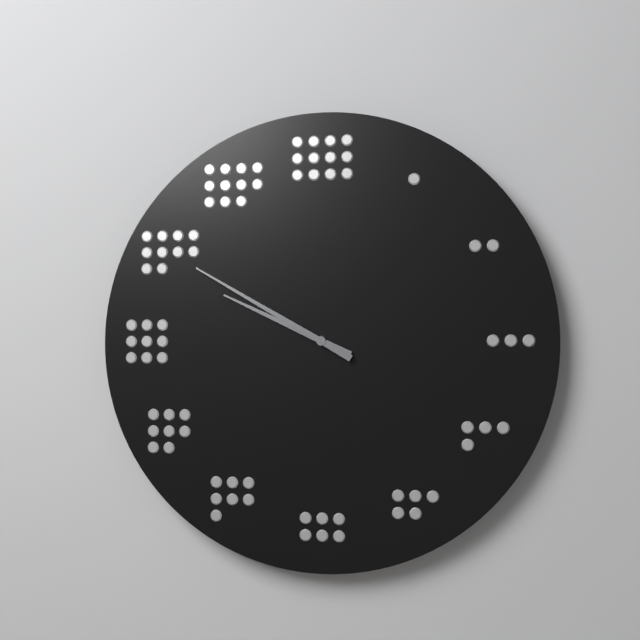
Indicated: 9,50
